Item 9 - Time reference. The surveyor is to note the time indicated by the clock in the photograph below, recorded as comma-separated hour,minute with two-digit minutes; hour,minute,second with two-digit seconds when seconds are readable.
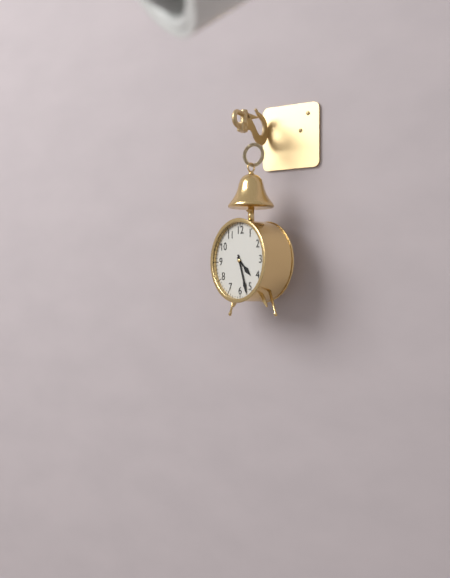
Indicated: 4,27
